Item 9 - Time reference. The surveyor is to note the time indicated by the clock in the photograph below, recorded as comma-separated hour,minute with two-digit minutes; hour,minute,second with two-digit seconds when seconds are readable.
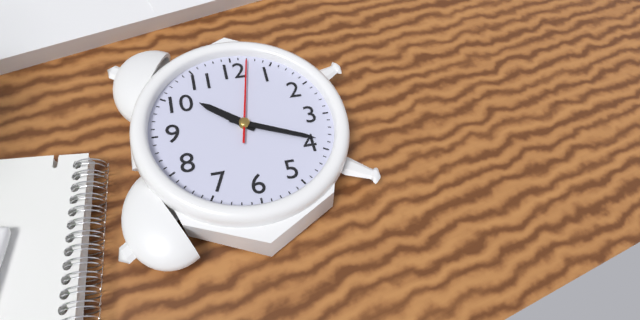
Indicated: 10,19,02
